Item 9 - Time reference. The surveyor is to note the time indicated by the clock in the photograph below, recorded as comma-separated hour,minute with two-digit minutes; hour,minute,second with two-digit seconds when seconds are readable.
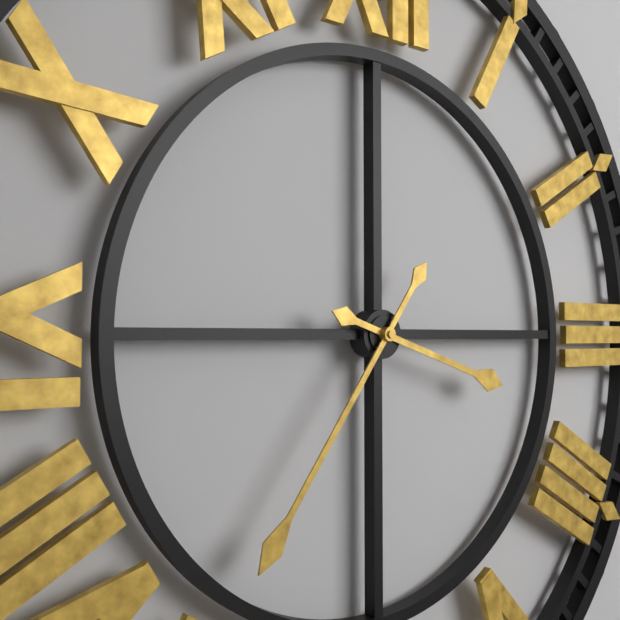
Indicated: 3,36
